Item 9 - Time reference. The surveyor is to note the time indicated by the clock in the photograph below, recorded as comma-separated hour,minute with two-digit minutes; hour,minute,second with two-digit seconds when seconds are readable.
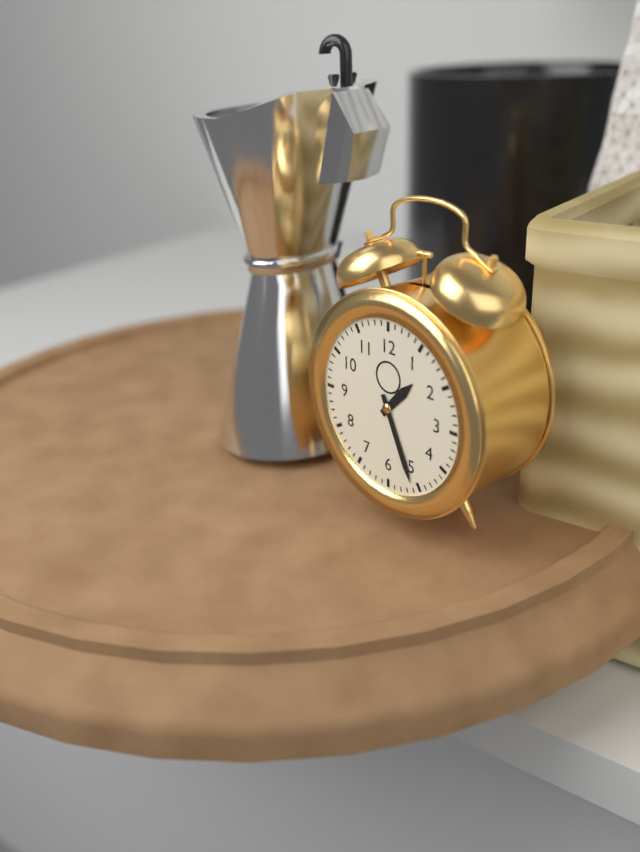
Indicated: 1,26
